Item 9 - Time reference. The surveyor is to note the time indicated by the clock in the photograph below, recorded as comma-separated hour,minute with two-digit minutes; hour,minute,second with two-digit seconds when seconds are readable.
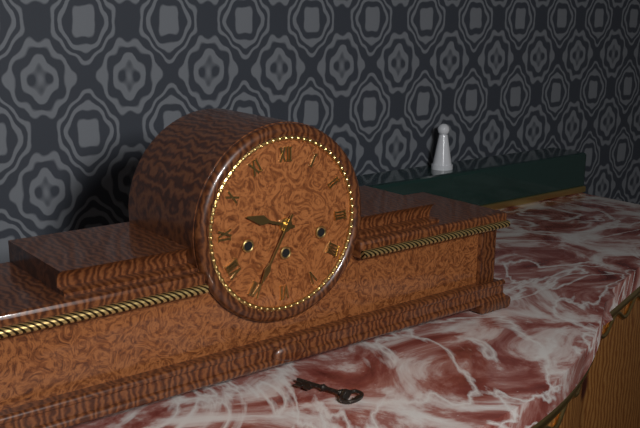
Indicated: 9,35
